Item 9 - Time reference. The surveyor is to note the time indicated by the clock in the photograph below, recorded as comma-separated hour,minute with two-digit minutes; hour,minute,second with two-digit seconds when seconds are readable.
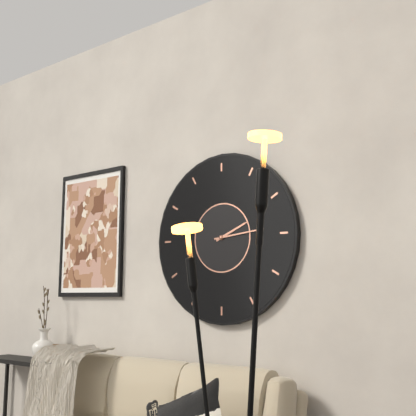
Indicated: 2,14
